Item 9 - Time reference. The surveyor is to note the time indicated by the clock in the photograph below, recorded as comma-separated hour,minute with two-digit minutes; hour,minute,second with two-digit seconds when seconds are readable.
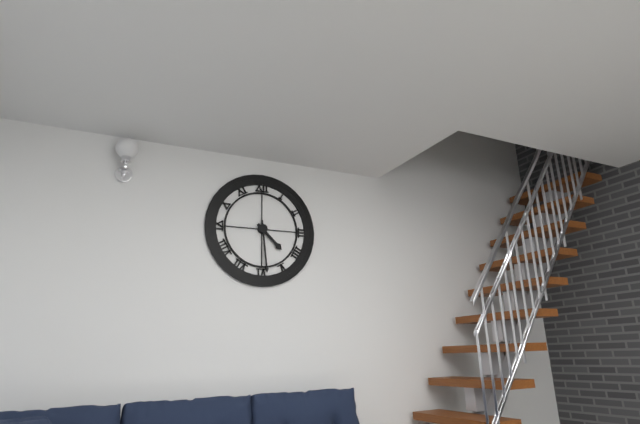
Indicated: 4,29
